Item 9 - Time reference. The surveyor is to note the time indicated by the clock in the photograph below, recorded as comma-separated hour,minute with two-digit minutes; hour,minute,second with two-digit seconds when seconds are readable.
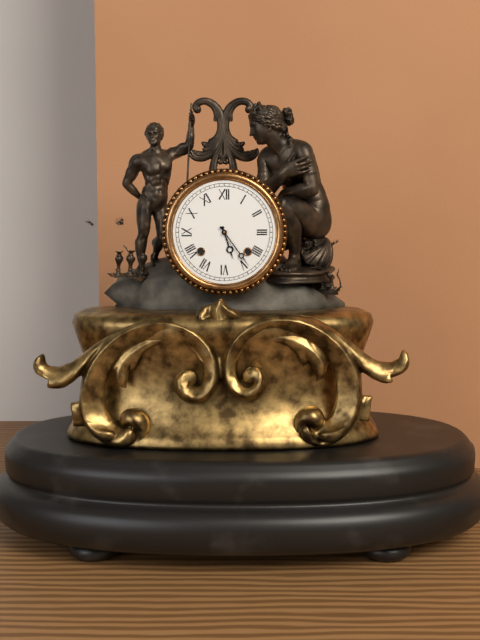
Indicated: 5,24
